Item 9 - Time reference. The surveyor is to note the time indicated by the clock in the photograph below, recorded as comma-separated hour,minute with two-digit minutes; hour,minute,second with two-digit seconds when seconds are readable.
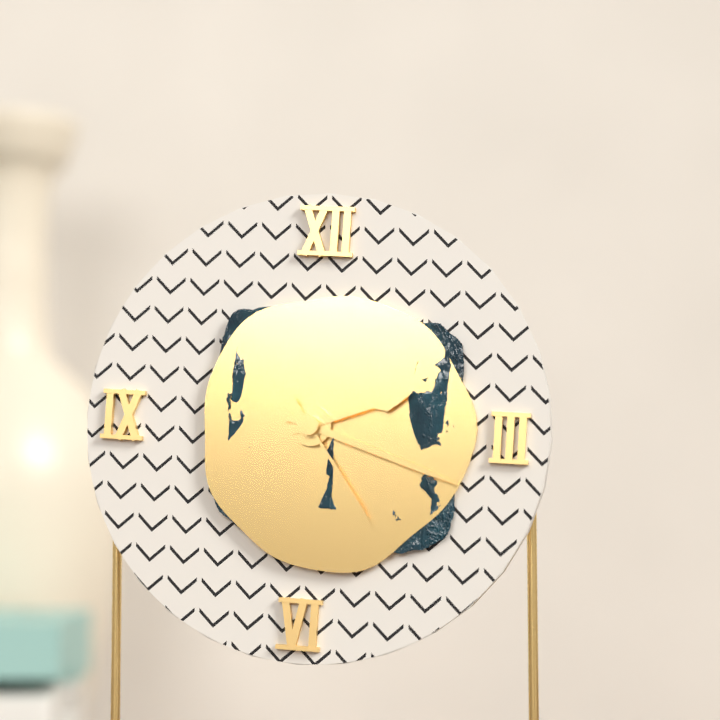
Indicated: 2,18,24
